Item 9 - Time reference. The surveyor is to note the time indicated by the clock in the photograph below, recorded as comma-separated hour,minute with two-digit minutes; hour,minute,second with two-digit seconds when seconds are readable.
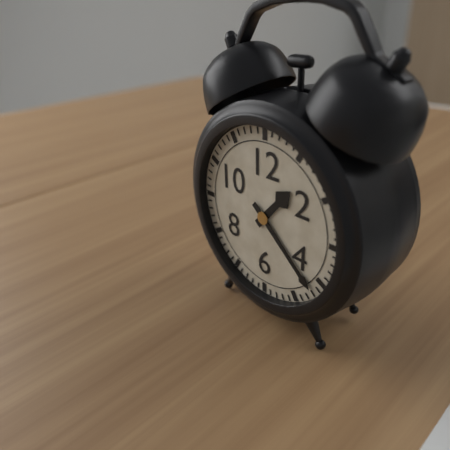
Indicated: 1,22
